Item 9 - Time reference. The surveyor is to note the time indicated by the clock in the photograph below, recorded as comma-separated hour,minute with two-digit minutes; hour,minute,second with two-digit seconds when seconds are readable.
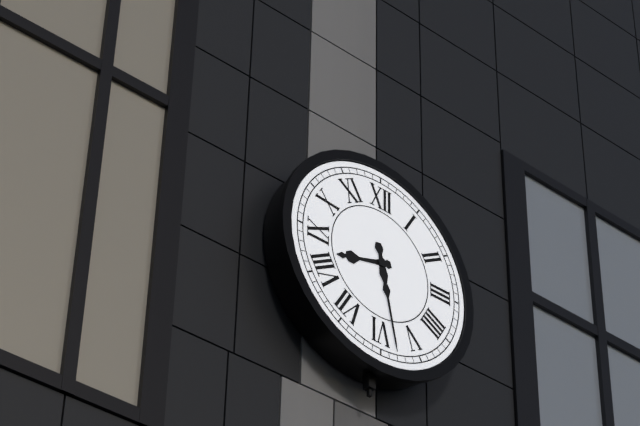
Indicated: 8,28
